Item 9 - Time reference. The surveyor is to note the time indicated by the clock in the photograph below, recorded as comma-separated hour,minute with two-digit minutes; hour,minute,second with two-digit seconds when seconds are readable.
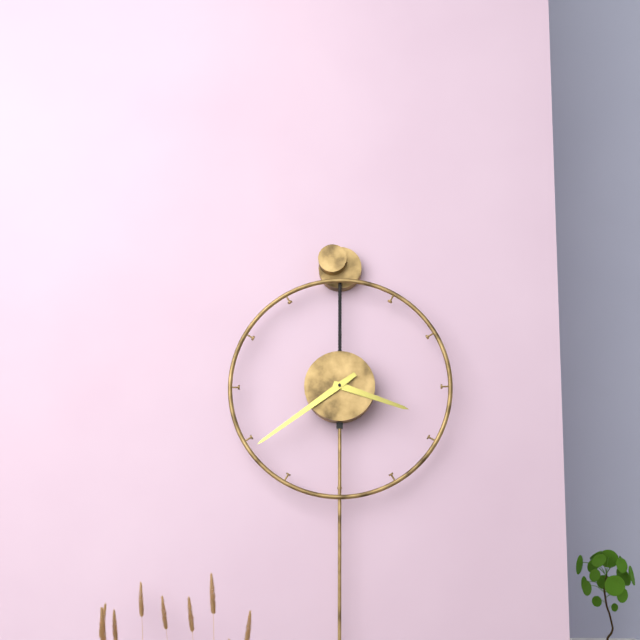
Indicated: 3,39
